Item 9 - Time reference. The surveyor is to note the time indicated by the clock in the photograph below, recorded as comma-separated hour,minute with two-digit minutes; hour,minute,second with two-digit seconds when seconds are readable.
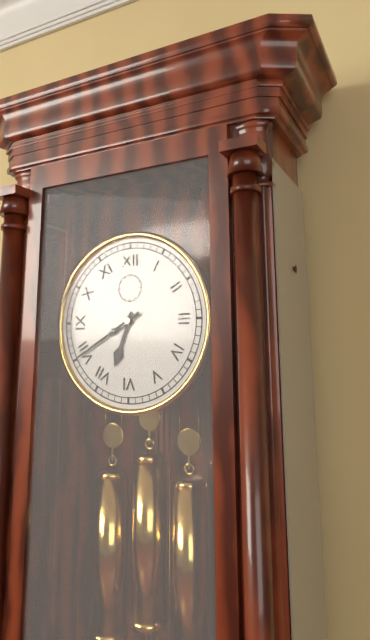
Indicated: 6,40
